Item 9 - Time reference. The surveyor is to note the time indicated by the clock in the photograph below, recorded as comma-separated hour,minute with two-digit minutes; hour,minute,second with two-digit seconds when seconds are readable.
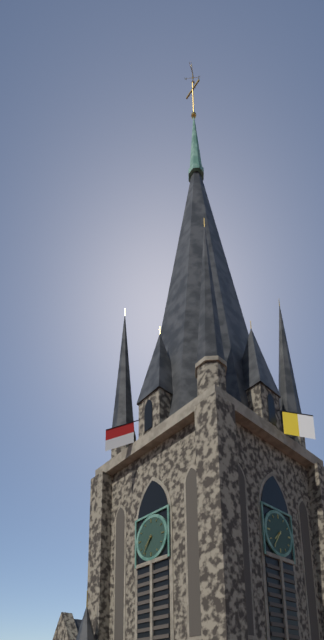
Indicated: 7,36
